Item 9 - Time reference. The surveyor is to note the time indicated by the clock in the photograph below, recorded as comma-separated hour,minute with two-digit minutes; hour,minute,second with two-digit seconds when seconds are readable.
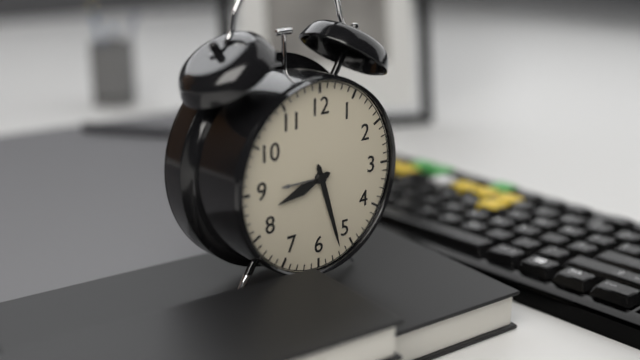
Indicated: 8,27
